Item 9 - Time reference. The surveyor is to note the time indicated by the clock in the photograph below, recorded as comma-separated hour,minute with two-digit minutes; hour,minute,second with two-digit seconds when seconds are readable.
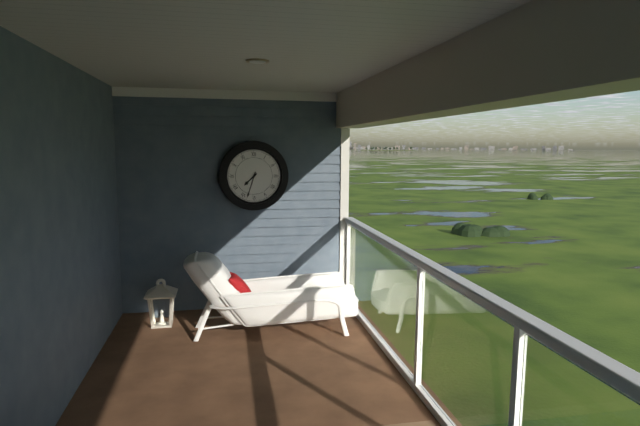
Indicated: 7,33
